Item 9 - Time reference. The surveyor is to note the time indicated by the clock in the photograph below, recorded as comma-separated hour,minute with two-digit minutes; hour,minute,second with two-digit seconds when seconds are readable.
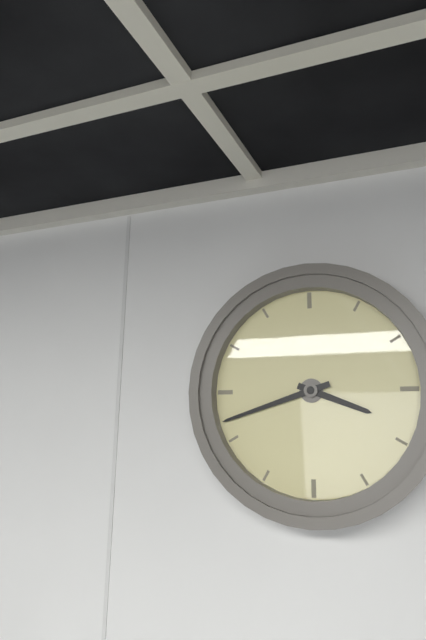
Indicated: 3,42
